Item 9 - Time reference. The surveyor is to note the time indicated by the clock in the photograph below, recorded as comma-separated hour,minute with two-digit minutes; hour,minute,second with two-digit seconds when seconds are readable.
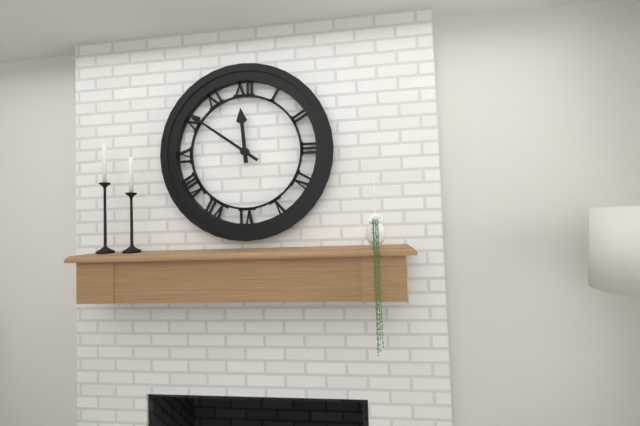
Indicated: 11,51
